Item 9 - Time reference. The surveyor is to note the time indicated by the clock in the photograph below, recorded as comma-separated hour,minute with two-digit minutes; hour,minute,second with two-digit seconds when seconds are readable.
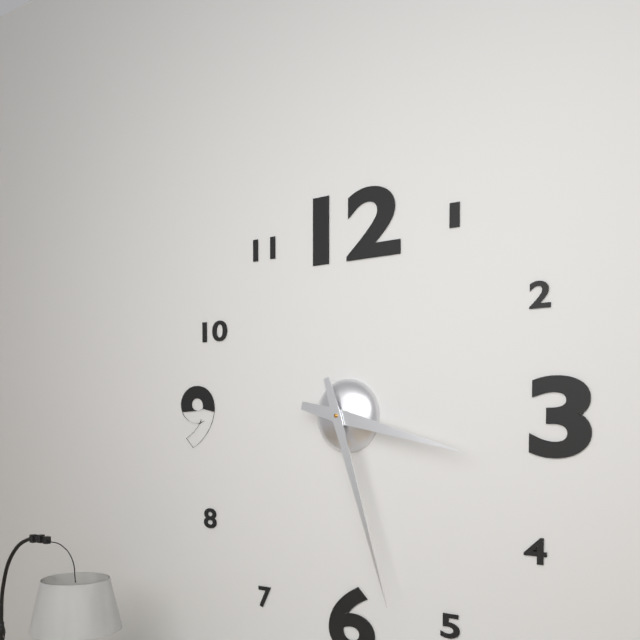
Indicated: 3,27
